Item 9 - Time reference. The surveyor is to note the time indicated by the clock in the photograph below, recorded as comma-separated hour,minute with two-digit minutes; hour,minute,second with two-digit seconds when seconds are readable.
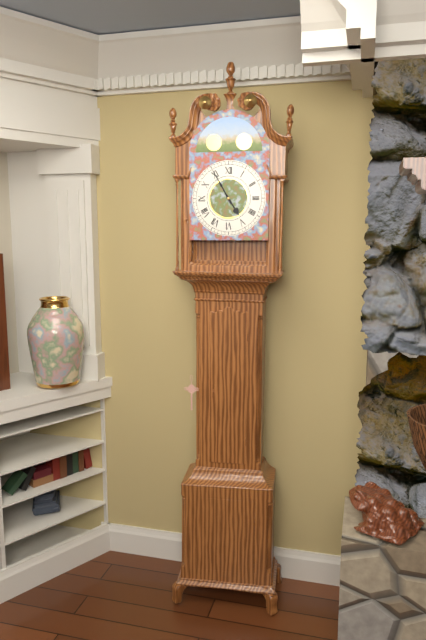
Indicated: 4,55
